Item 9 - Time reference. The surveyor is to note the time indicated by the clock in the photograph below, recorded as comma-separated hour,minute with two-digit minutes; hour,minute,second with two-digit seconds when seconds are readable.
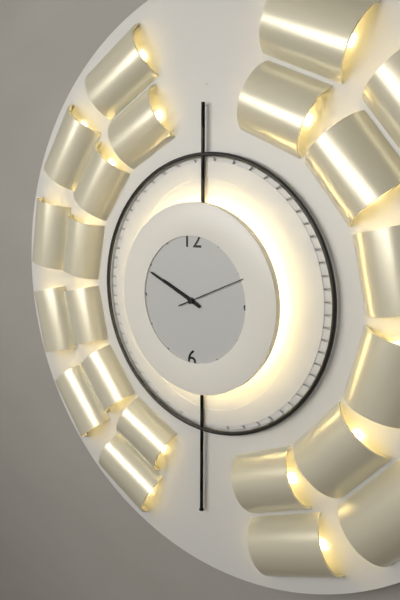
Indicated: 9,49,11
